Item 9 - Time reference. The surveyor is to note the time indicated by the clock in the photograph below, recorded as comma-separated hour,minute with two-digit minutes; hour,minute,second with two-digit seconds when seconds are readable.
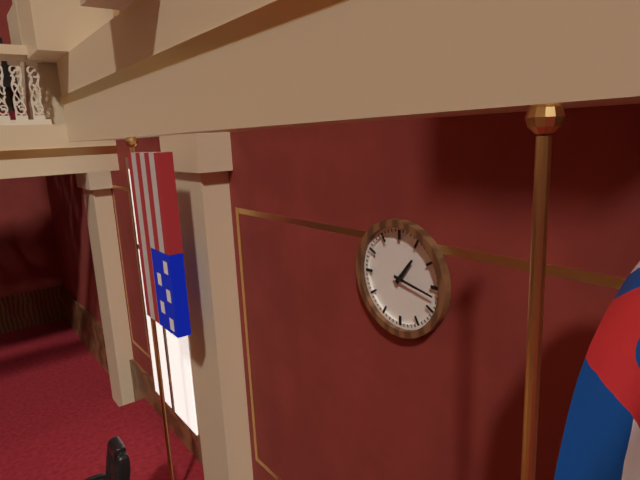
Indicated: 1,17
